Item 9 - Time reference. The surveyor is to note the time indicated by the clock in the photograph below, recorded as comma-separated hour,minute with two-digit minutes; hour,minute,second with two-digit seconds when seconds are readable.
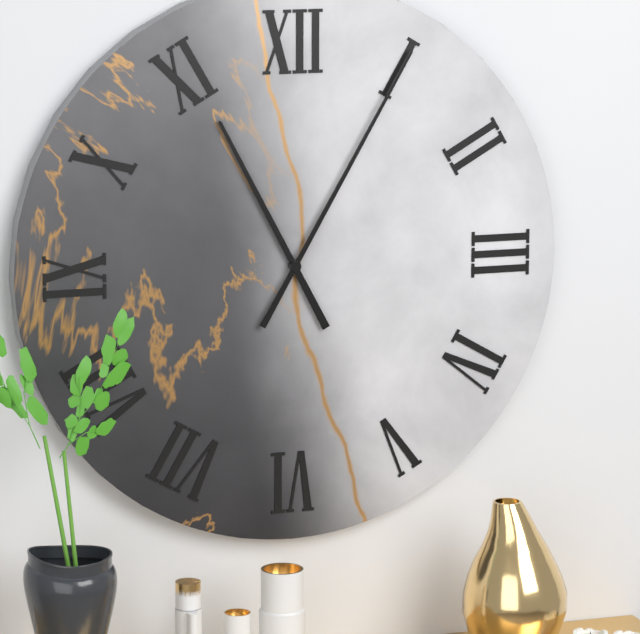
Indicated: 11,05
